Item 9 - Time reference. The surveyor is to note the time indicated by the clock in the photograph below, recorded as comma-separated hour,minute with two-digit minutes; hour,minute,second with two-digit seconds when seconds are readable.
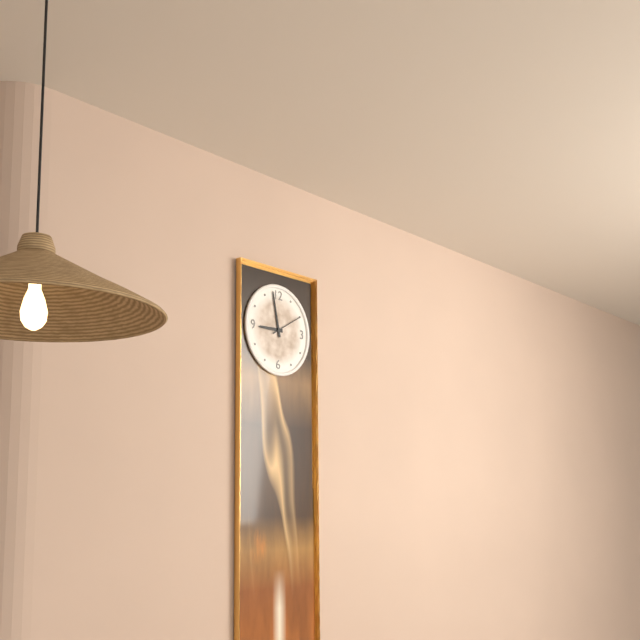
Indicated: 8,58
